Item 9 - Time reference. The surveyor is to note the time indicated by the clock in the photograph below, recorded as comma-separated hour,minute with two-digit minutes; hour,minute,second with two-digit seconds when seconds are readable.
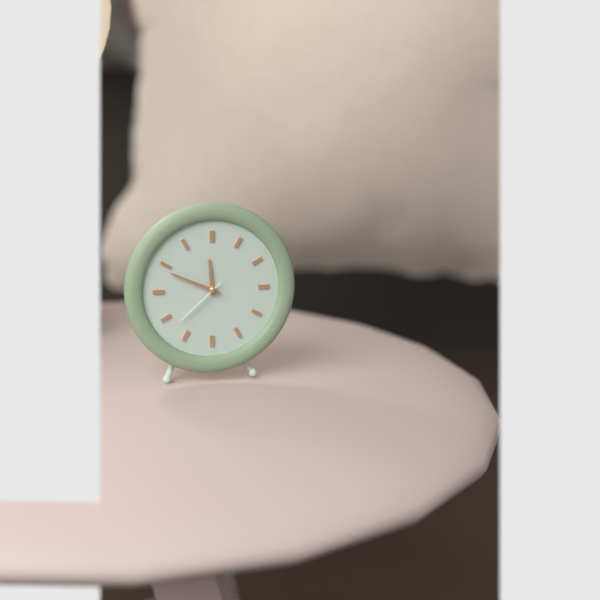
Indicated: 11,49,38
